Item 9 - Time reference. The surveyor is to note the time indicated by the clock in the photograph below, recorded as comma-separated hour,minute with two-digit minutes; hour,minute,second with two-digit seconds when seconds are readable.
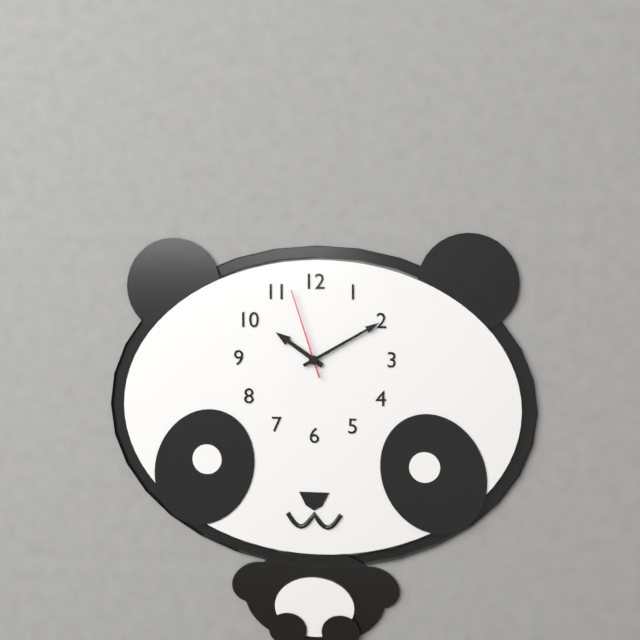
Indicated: 10,10,57
